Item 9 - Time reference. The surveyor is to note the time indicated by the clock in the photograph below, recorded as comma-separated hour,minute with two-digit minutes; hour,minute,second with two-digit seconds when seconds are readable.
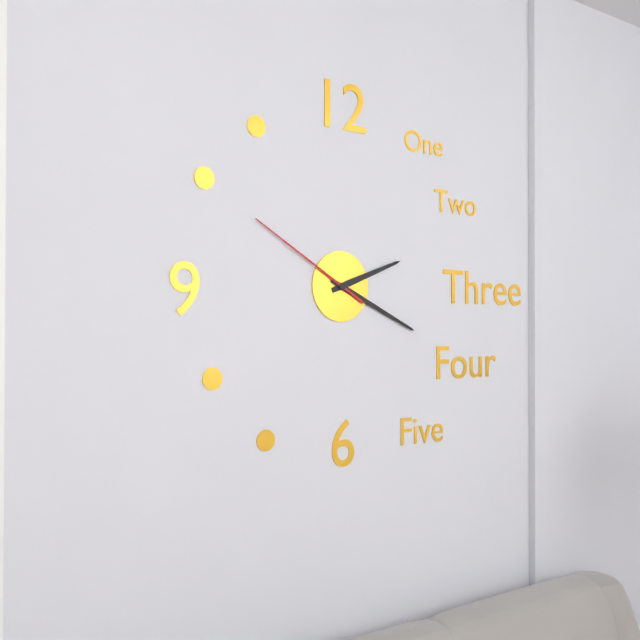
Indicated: 2,19,50
